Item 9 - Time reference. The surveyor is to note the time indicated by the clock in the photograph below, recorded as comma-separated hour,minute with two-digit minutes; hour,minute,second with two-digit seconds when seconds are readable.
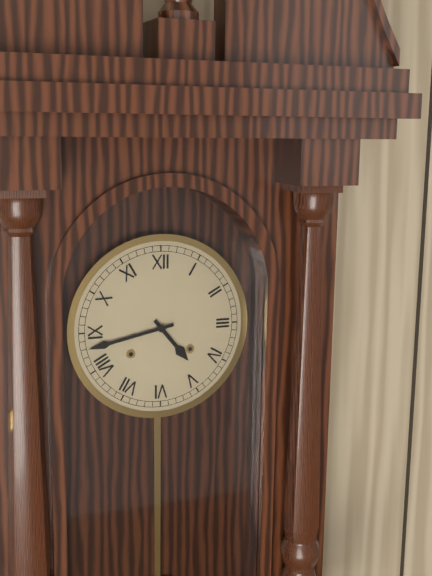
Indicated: 4,43
